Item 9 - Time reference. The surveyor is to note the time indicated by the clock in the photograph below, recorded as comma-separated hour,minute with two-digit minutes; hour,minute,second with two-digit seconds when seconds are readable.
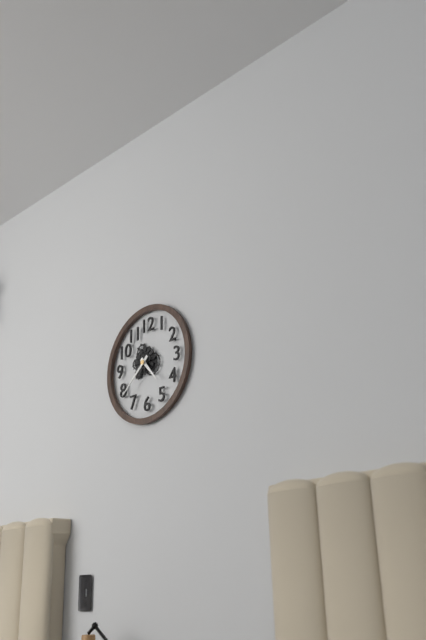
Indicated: 4,38
